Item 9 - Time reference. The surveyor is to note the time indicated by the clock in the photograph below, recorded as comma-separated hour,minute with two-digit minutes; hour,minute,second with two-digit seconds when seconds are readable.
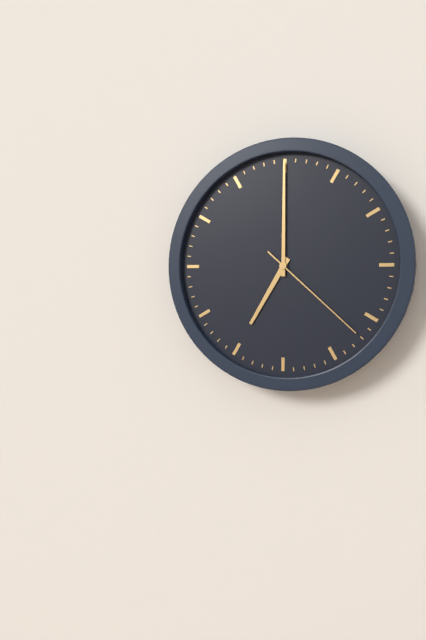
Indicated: 7,00,22
